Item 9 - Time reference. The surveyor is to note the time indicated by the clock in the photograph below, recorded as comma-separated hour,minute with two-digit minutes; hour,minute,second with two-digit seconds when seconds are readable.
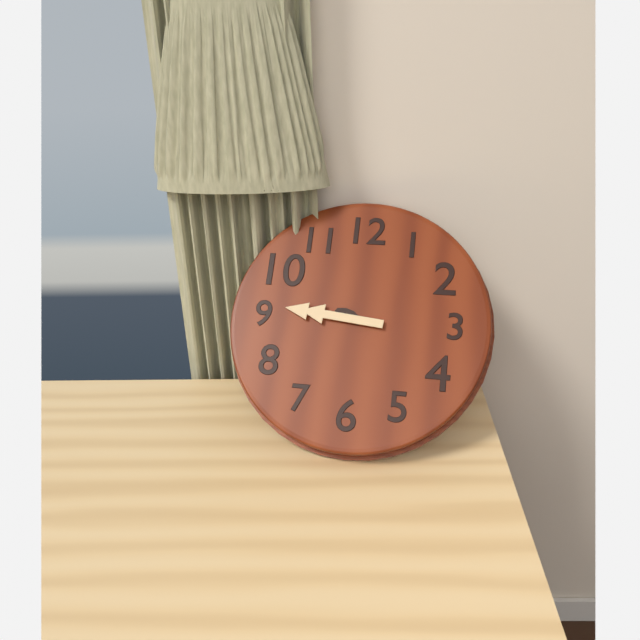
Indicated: 9,46
